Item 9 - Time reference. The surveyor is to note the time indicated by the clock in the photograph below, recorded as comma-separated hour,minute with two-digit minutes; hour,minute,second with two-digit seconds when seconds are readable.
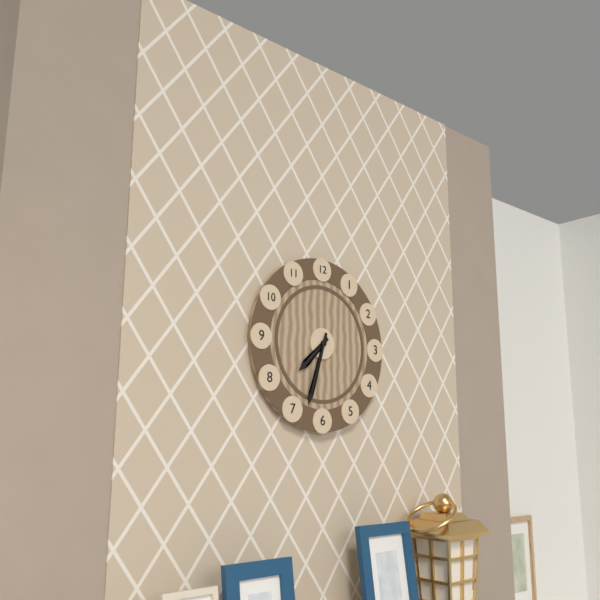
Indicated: 7,33
